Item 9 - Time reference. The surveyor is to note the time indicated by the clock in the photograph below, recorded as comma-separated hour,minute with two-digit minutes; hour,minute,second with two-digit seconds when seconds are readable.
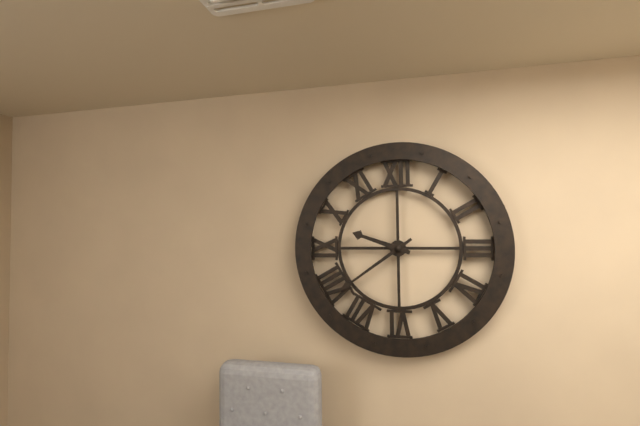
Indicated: 9,39
